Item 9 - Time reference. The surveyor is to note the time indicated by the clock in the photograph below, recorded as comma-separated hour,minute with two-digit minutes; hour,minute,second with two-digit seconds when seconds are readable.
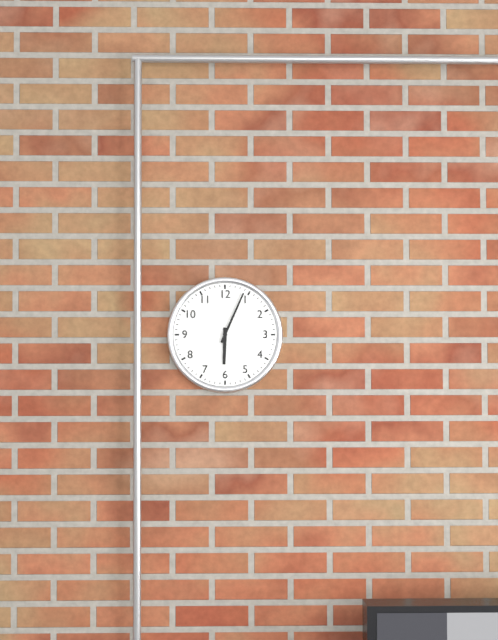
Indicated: 6,04
